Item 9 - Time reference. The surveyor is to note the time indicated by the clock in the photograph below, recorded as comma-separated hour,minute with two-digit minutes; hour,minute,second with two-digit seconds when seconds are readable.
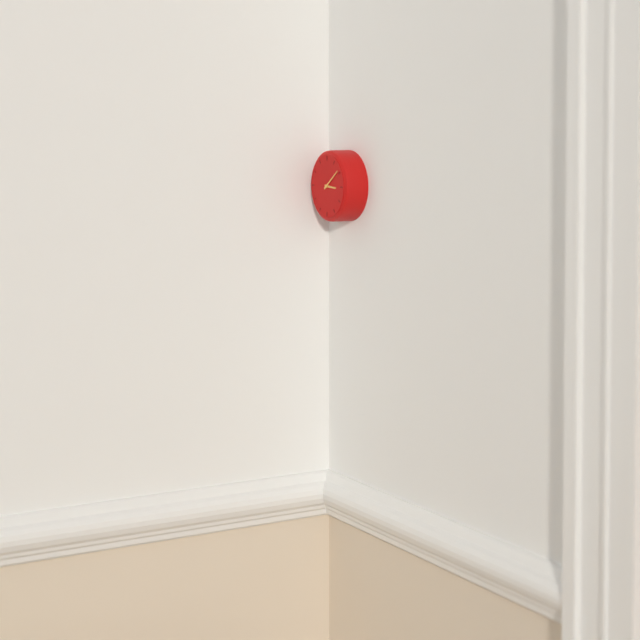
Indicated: 3,09
